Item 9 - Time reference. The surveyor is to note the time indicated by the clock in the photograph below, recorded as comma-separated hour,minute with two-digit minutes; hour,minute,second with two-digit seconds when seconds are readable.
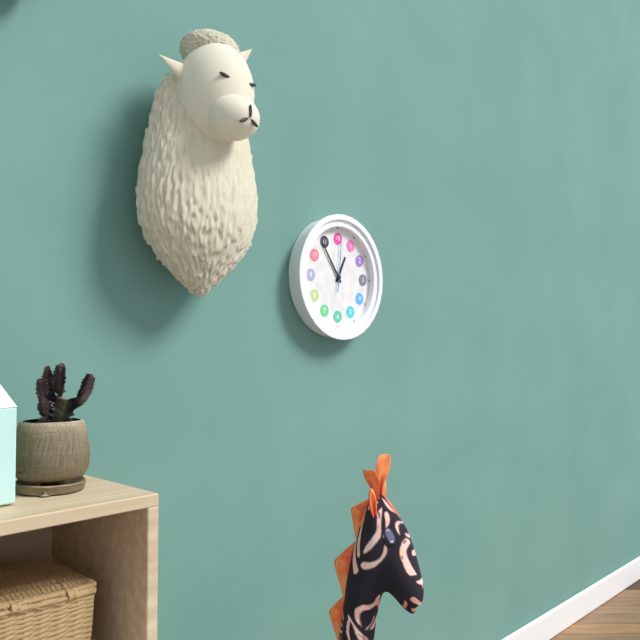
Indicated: 12,54
